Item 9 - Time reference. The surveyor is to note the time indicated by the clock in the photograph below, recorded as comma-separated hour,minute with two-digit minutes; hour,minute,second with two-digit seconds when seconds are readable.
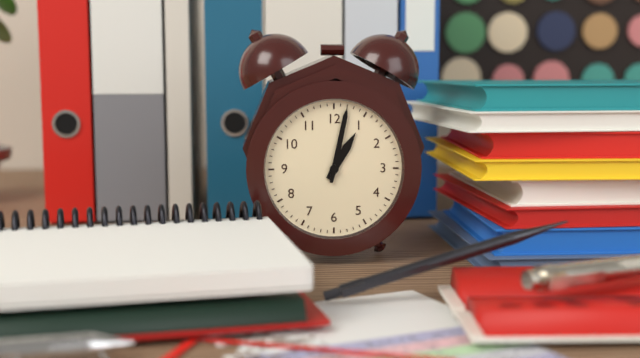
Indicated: 1,02
